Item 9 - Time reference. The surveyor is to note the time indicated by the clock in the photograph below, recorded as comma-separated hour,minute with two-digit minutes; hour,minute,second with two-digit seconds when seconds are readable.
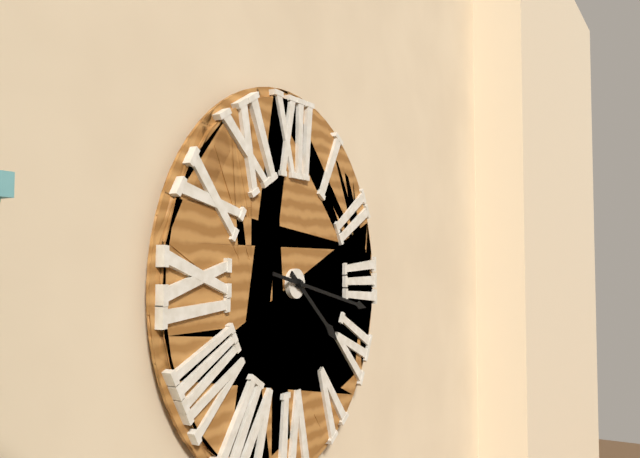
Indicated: 4,17
